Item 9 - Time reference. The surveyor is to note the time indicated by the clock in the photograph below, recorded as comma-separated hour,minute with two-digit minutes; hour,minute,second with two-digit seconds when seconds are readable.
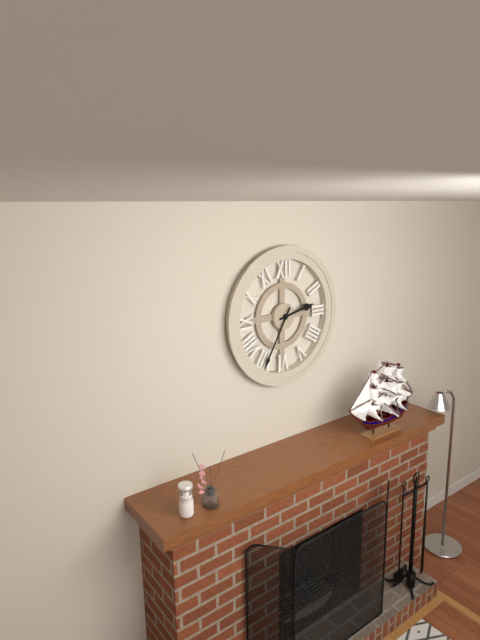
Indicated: 2,35
